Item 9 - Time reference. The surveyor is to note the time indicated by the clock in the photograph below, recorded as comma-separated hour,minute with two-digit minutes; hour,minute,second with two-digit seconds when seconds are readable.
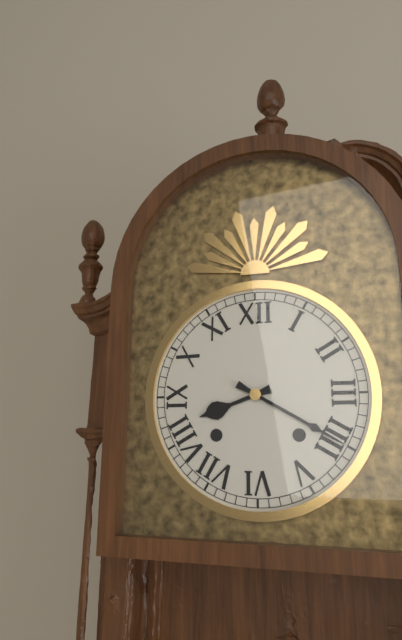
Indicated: 8,20
